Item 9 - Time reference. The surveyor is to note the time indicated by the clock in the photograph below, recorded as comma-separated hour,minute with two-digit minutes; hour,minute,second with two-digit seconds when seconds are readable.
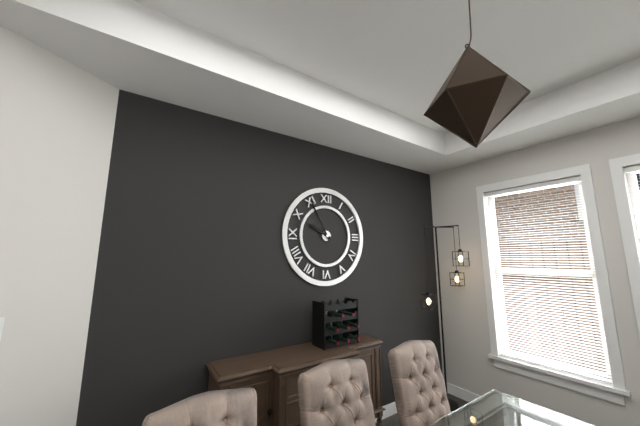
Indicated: 9,55
